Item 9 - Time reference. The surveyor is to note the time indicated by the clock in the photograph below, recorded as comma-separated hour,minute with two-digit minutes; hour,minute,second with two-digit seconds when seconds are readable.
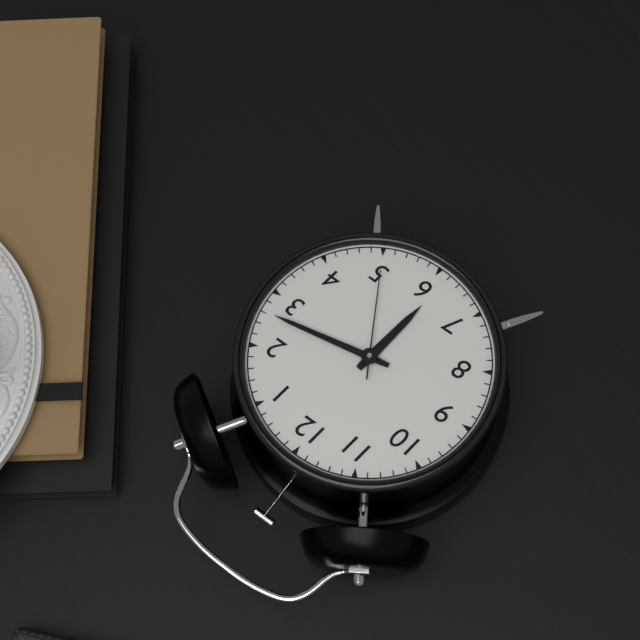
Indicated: 6,13,25
